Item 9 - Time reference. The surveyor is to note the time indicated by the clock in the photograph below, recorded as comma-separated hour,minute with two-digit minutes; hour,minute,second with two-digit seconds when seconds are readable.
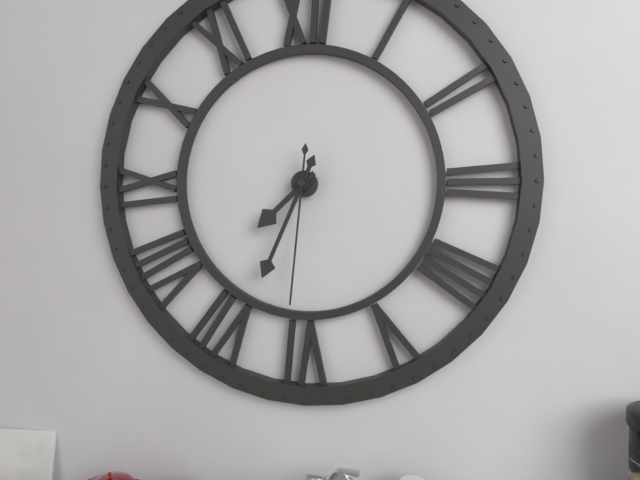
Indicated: 7,34,31
